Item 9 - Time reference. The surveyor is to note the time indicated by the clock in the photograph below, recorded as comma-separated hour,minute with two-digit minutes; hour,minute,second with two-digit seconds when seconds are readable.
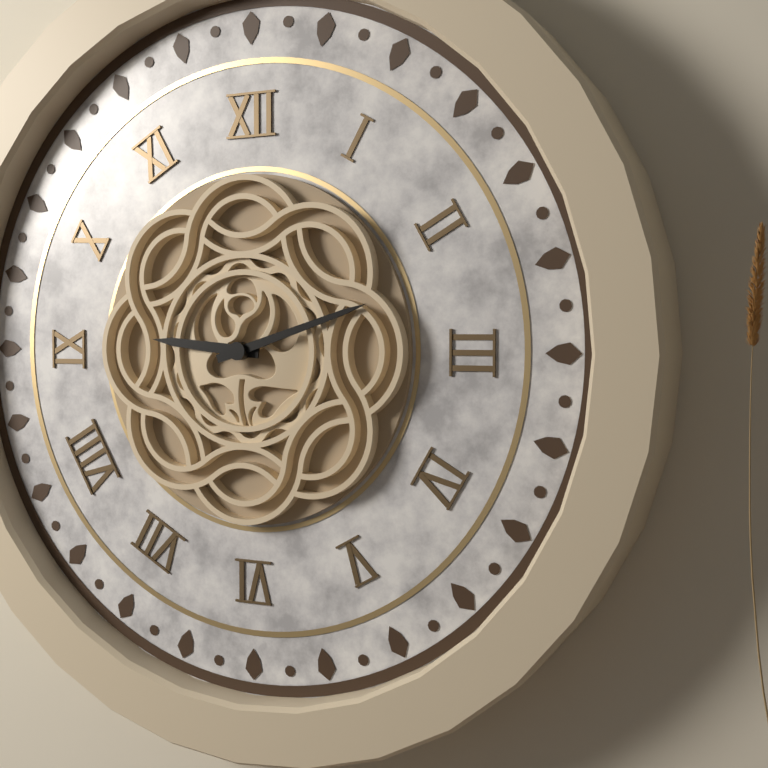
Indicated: 9,12
